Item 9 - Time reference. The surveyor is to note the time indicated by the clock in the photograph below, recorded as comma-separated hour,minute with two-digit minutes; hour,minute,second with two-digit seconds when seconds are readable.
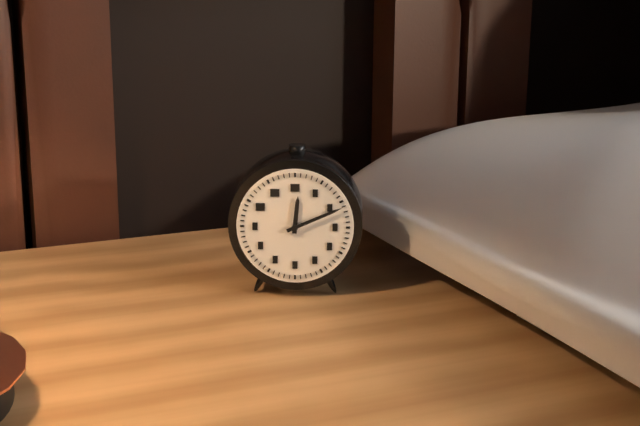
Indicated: 12,11
